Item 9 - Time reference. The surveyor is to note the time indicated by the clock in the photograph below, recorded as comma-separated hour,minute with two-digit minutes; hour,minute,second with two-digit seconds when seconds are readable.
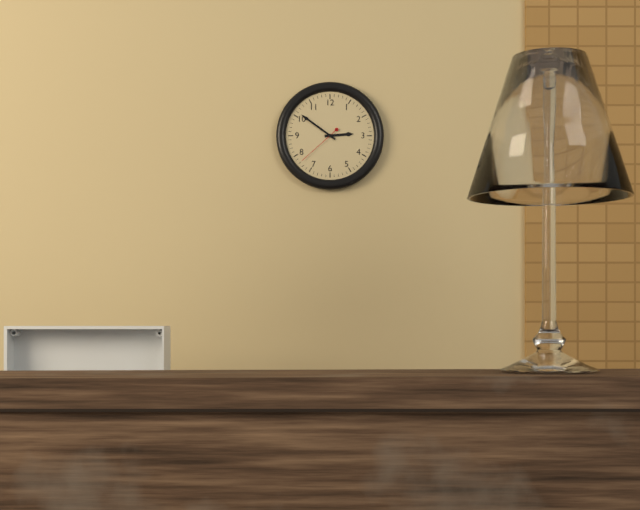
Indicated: 2,51
